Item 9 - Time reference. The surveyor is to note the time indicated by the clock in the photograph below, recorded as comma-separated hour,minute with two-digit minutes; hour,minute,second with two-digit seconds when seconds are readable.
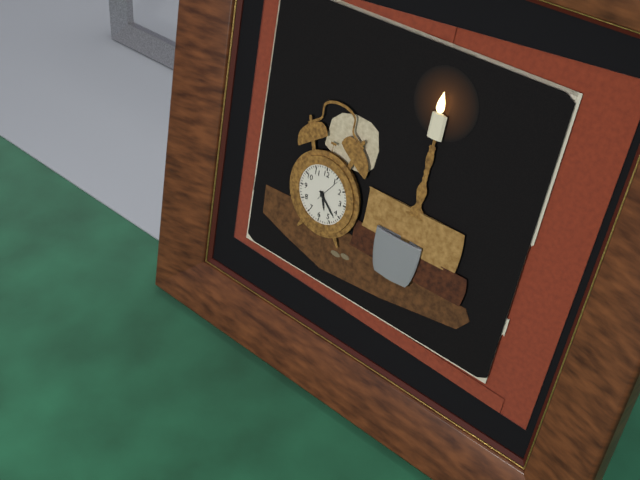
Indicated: 5,22
